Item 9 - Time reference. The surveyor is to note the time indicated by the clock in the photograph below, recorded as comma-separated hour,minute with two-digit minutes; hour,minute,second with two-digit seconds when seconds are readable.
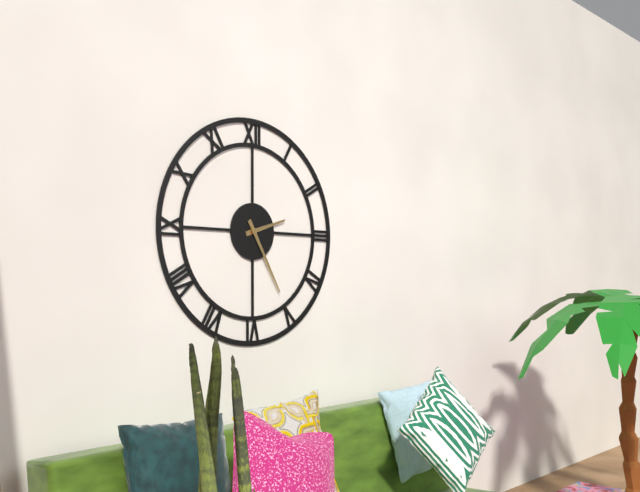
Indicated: 2,25
